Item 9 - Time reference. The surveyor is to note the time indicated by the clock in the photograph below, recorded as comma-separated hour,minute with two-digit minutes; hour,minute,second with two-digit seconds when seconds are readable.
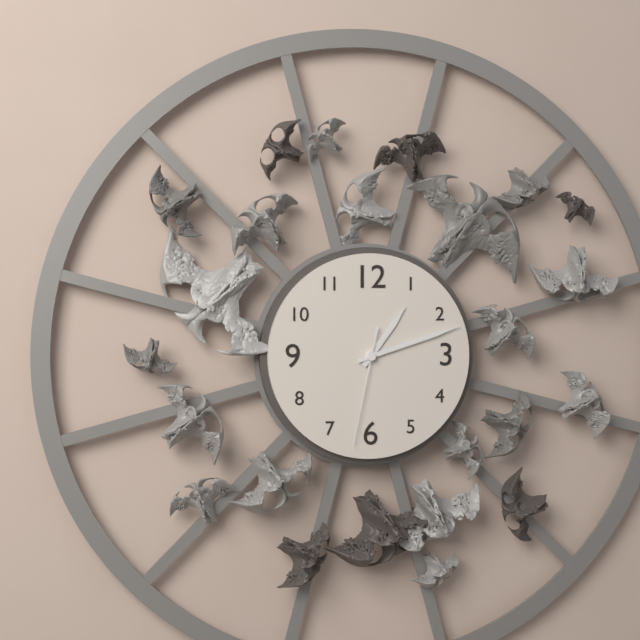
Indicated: 1,12,32
